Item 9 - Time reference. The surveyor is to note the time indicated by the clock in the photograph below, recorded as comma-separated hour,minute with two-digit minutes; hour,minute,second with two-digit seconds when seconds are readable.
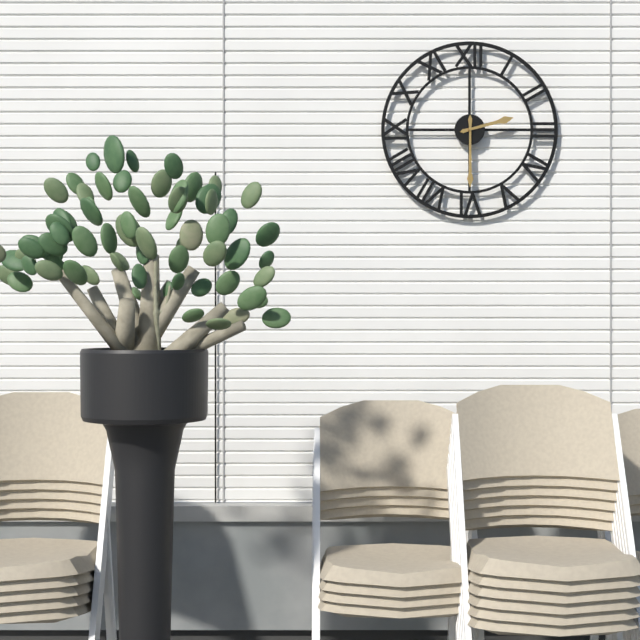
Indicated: 2,30
